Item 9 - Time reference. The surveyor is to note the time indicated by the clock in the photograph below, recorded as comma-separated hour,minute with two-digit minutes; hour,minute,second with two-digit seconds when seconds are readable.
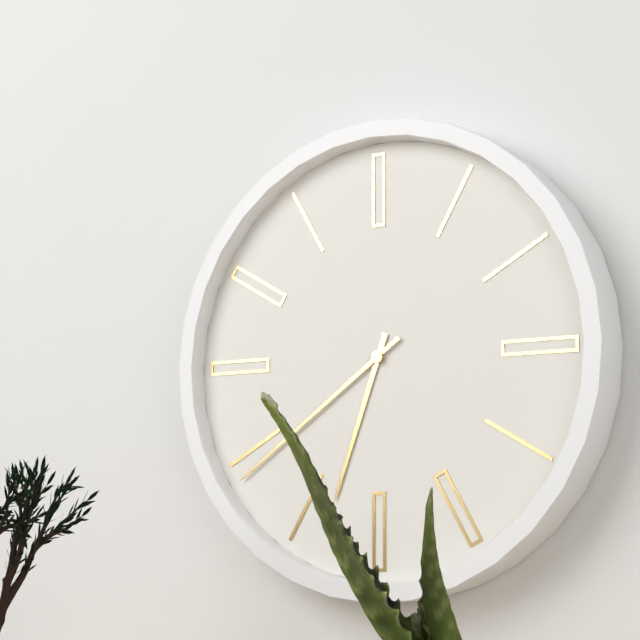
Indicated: 6,39
